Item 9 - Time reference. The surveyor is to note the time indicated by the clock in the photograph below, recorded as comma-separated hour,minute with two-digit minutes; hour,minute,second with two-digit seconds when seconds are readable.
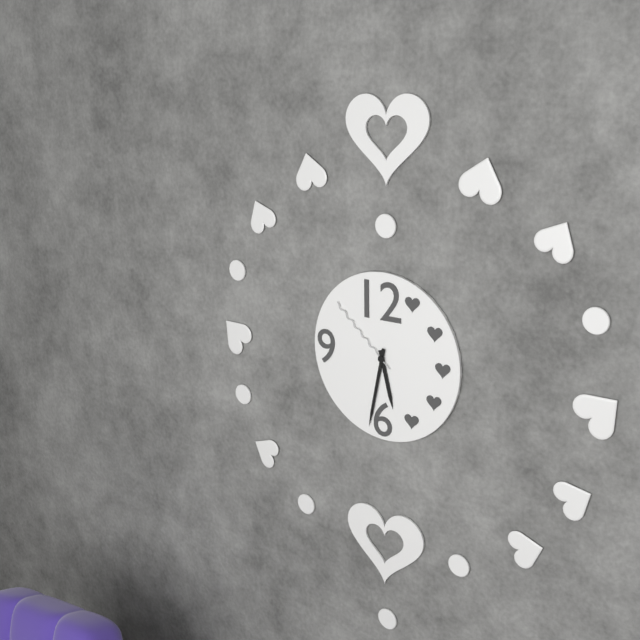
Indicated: 5,32,52
